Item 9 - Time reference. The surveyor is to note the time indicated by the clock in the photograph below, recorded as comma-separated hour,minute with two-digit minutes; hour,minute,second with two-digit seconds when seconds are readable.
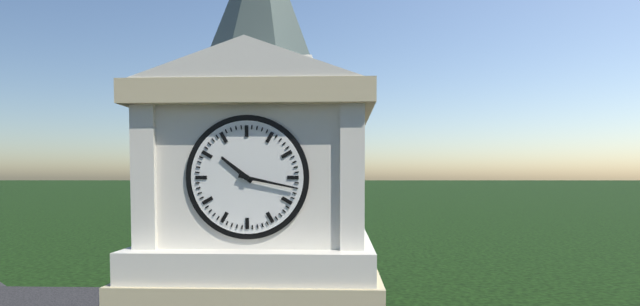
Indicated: 10,17
